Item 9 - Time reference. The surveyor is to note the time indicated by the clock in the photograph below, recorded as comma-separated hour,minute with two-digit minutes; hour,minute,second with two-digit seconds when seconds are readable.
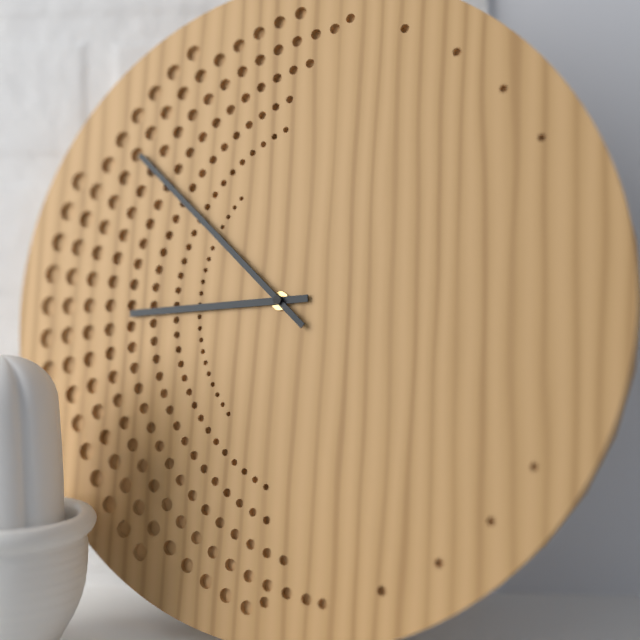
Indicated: 8,52
